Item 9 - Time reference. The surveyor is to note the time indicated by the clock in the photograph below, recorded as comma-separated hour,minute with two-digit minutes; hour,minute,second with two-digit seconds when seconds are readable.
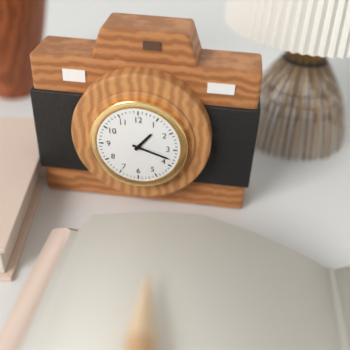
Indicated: 1,18
